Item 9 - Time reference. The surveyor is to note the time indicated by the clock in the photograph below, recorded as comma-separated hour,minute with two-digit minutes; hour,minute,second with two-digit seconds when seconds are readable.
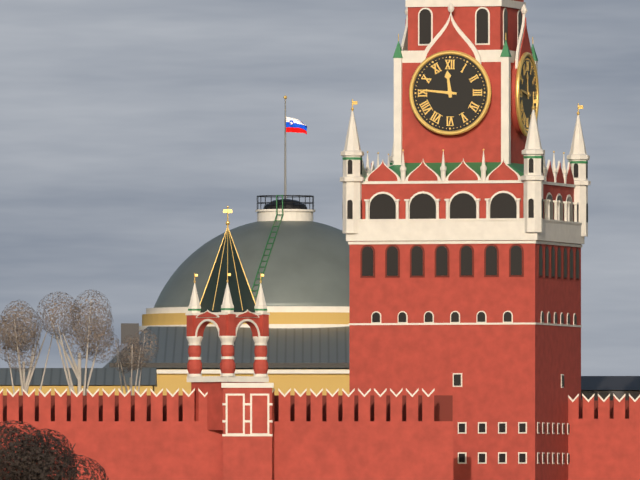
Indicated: 11,46
